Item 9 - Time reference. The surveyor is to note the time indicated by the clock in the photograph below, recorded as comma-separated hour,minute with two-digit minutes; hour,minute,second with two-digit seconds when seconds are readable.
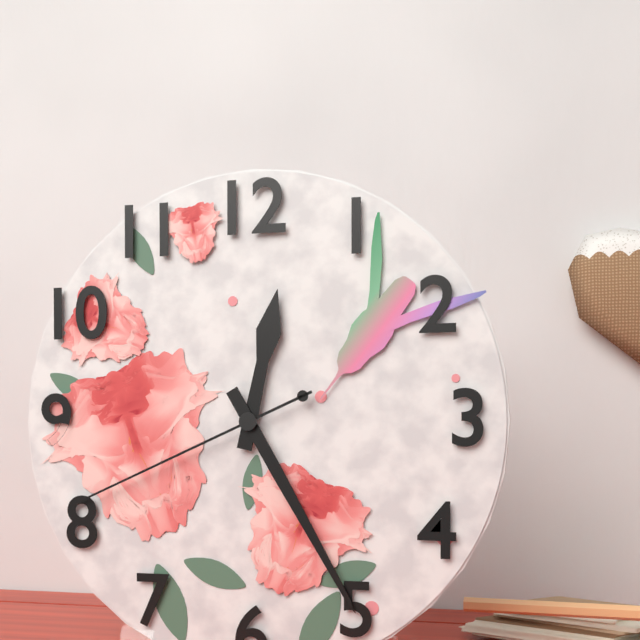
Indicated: 12,25,41
